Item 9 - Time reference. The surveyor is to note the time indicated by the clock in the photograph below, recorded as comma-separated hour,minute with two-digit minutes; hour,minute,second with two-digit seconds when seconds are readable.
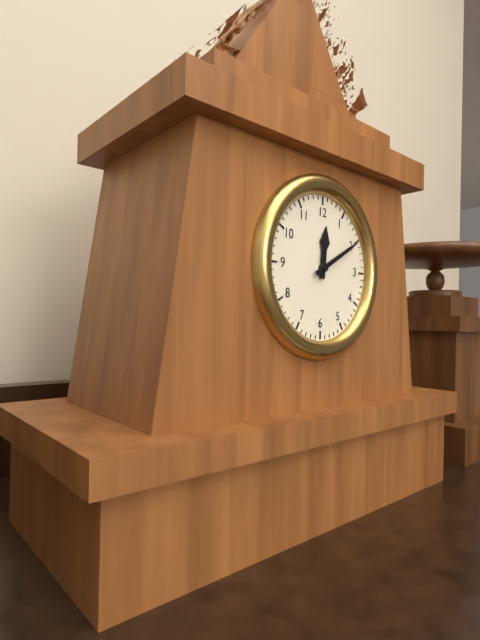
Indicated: 12,10
